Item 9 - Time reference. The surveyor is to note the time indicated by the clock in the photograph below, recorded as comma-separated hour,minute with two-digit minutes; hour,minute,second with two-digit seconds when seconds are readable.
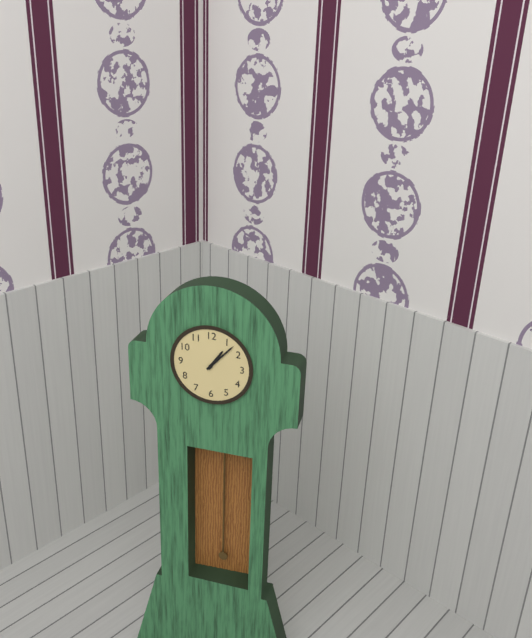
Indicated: 1,07
